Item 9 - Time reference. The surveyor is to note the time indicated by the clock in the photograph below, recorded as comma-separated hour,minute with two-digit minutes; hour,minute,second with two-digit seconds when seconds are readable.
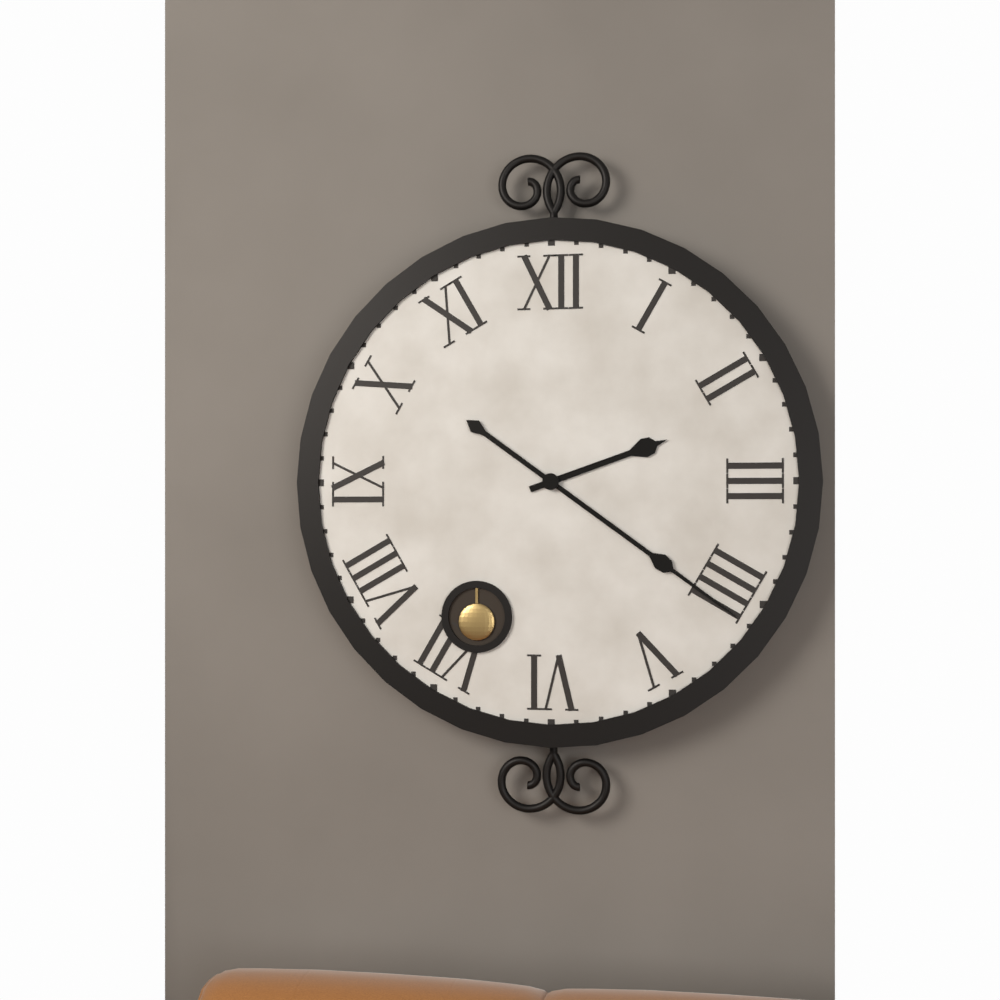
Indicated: 2,21
